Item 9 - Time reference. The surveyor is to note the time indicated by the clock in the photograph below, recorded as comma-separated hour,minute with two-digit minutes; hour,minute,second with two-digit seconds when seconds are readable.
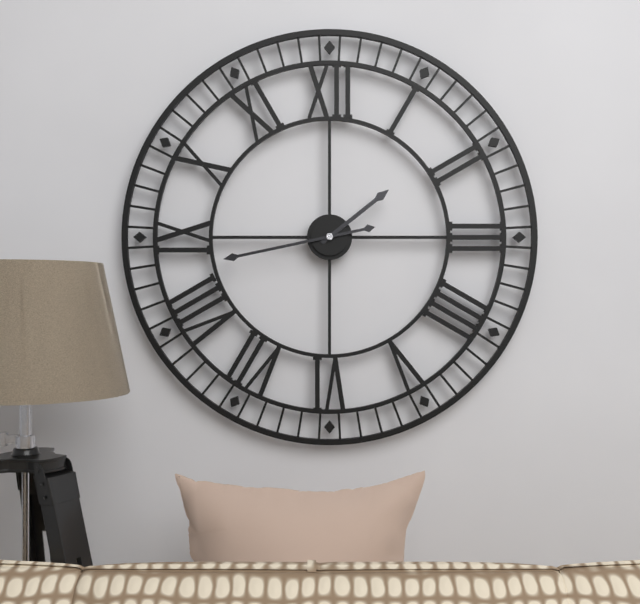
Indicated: 1,43
